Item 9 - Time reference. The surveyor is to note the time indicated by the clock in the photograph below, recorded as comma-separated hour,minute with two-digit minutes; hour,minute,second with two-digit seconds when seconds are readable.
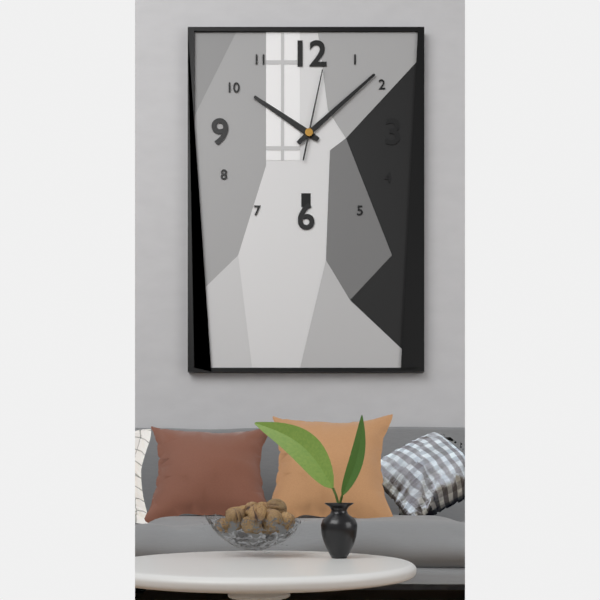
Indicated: 10,08,02
